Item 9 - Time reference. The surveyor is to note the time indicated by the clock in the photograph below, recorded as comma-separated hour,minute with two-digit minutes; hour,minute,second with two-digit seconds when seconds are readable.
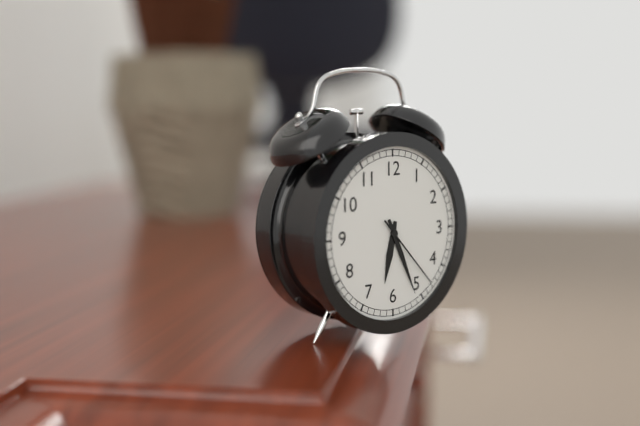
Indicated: 6,26,23
